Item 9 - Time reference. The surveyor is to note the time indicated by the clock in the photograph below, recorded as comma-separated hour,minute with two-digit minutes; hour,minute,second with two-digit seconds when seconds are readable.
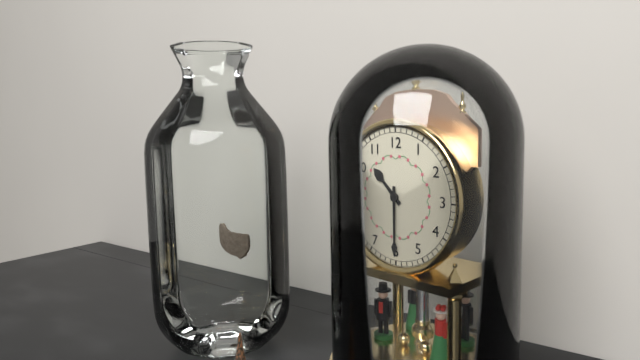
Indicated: 10,30
